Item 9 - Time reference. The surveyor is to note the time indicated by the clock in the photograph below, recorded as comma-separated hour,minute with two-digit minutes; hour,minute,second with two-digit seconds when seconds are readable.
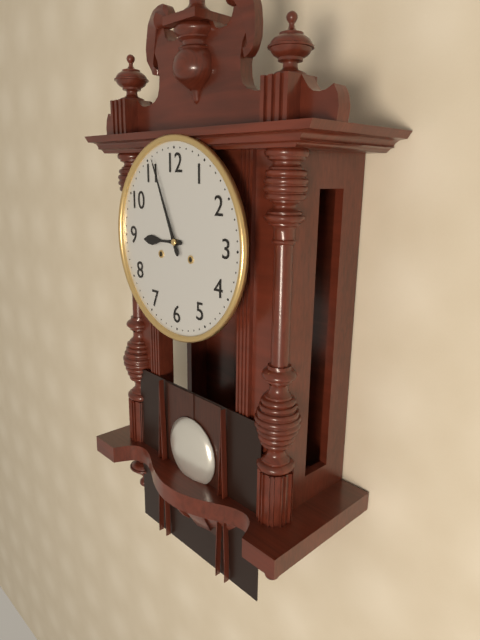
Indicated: 8,56
